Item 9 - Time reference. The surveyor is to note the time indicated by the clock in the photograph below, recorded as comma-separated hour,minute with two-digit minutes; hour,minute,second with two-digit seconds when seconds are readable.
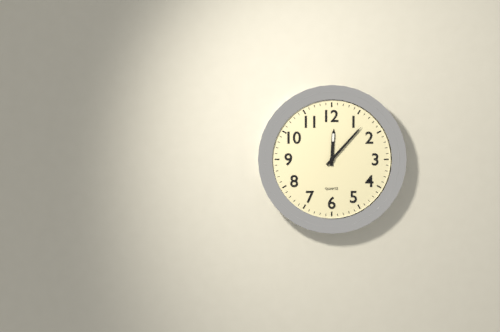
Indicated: 12,07
